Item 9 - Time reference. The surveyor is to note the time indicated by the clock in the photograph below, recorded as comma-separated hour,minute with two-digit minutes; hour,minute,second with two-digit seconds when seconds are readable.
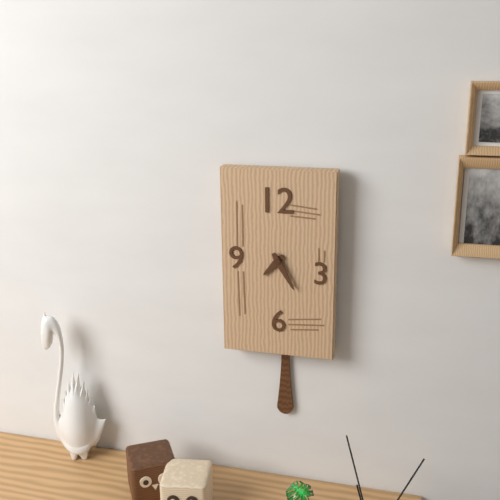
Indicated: 7,25
